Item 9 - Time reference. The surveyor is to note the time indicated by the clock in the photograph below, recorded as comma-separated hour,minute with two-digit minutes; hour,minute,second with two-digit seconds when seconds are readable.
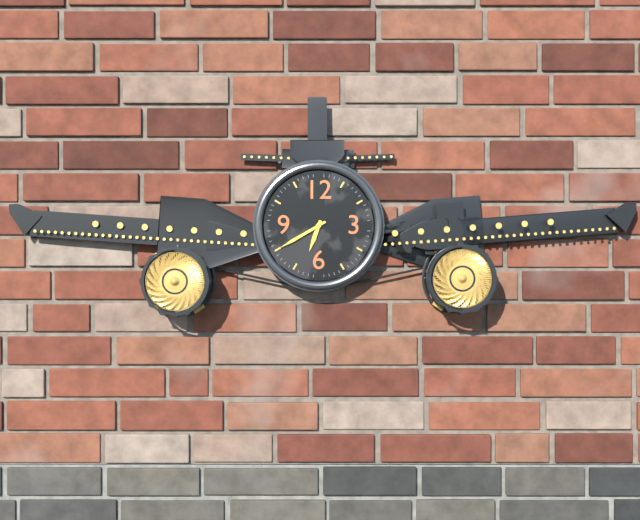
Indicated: 6,40
